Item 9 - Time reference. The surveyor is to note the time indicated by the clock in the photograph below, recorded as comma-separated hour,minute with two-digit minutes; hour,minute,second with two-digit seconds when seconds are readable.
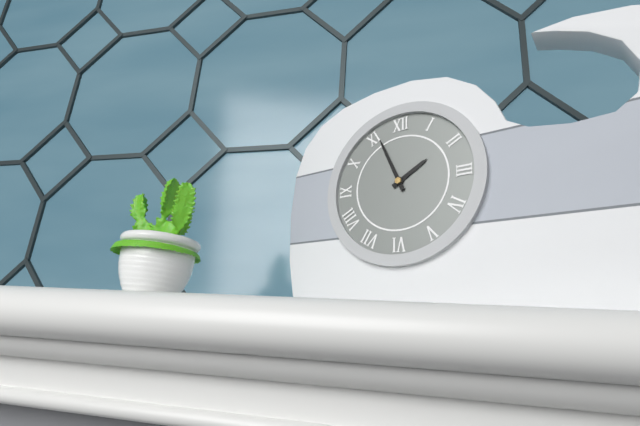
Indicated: 1,56
